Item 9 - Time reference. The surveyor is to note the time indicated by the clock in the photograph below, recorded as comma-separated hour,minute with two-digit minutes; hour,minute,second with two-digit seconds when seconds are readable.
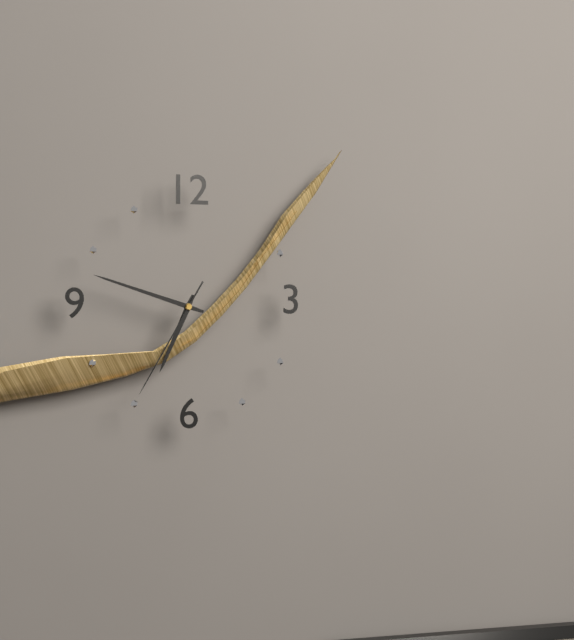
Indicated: 6,48,35
